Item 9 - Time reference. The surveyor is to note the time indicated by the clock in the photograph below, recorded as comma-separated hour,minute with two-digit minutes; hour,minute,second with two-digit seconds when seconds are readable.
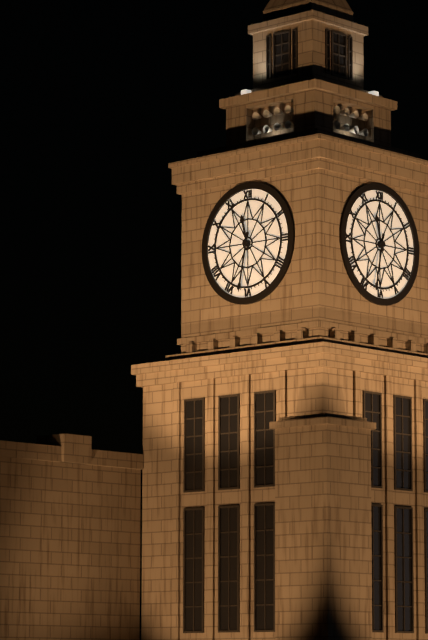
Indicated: 11,32
